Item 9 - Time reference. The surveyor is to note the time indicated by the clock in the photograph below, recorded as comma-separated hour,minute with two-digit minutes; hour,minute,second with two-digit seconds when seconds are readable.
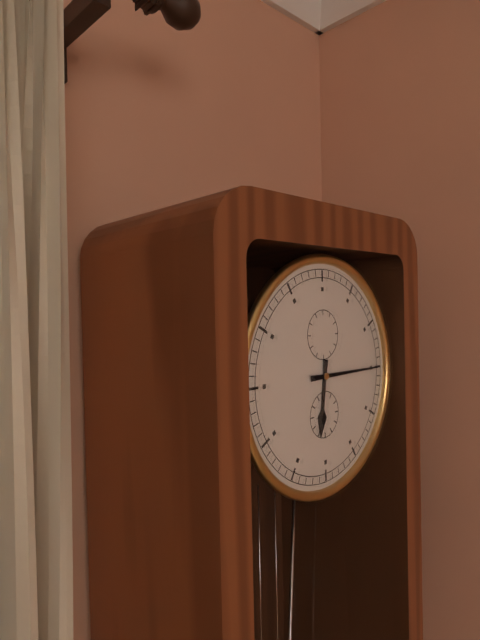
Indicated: 6,15
